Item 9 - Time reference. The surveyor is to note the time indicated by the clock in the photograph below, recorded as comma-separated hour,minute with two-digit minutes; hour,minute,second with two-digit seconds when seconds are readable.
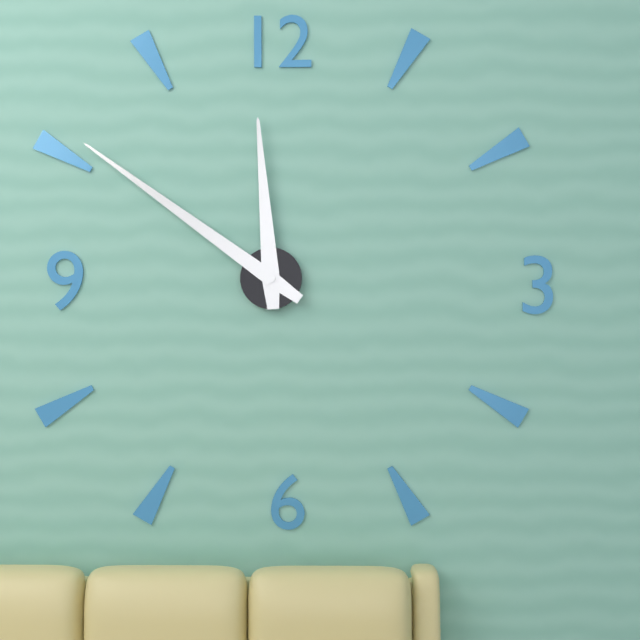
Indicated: 11,51
